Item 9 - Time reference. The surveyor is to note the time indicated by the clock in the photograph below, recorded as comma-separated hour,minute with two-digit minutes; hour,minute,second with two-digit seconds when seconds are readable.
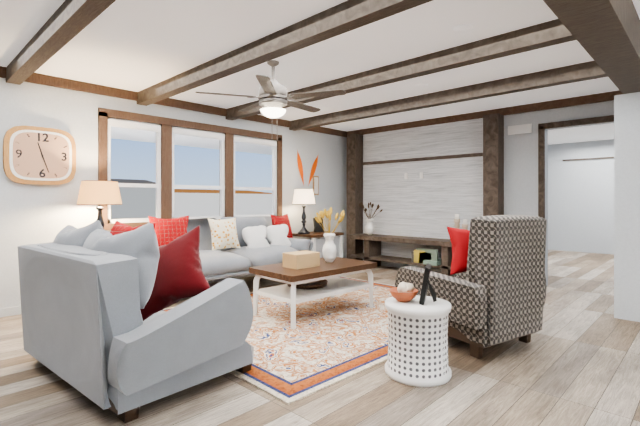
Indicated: 11,27
